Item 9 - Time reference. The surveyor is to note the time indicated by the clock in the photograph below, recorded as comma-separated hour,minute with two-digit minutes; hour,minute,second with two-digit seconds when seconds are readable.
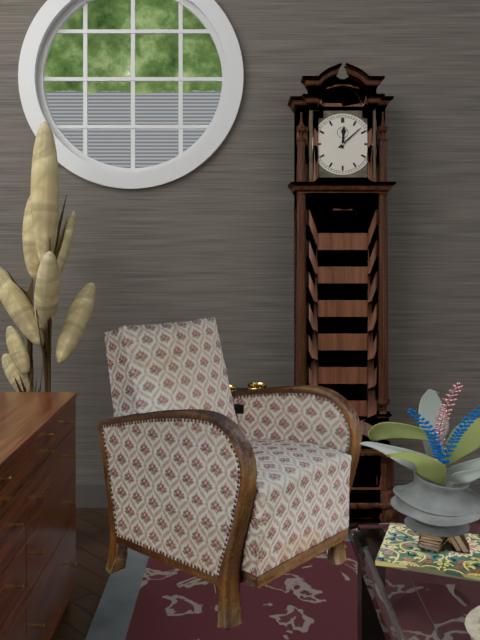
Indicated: 12,08
